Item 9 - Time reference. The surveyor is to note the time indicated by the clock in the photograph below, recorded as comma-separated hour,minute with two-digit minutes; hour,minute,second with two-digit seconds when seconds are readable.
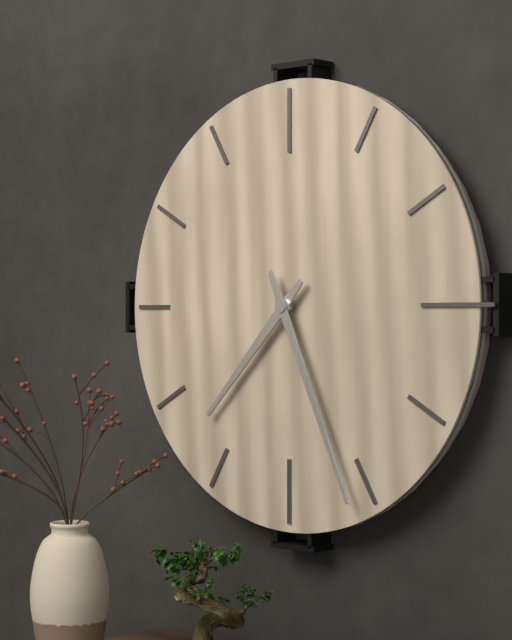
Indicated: 7,26
